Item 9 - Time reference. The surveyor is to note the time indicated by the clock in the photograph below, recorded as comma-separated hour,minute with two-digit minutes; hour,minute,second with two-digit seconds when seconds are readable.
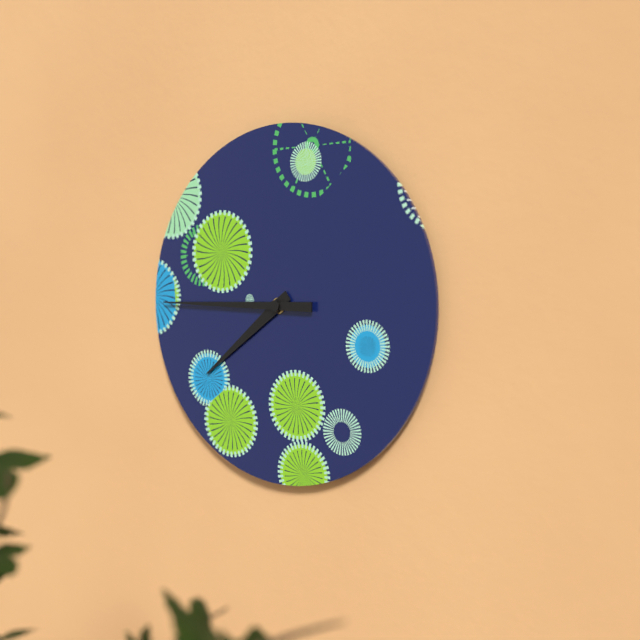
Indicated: 7,45
